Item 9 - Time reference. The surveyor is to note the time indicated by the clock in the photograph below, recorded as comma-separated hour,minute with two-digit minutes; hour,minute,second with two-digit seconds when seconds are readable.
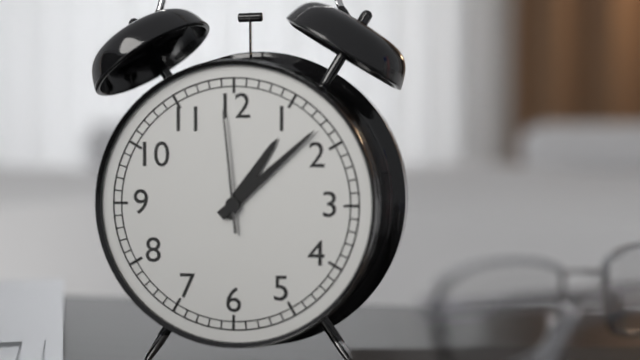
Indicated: 1,08,59
